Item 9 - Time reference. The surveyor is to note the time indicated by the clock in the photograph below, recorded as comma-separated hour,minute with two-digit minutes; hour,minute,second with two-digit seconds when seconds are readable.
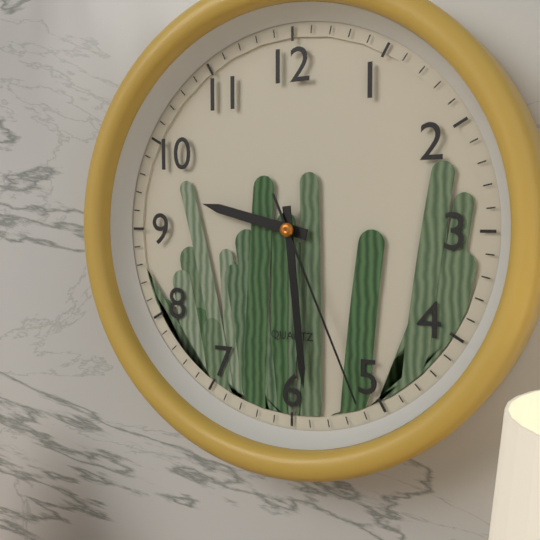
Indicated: 9,29,26
